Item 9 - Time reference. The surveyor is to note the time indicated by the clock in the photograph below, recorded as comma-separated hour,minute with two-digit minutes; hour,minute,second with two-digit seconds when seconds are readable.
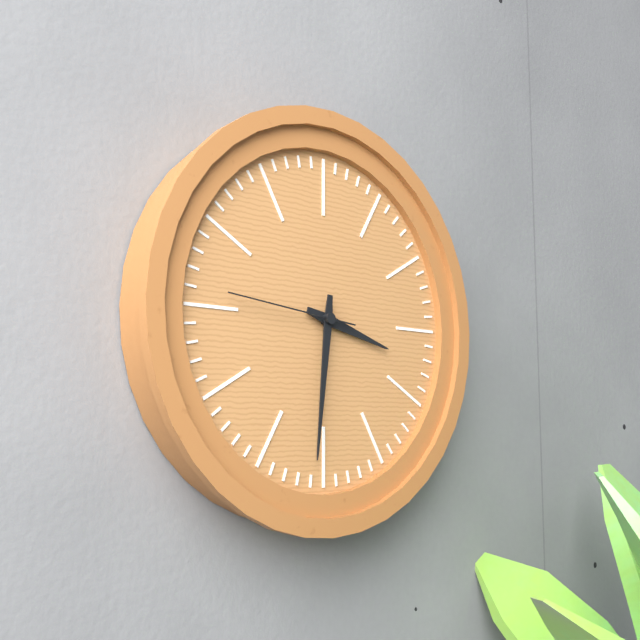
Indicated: 3,31,46
